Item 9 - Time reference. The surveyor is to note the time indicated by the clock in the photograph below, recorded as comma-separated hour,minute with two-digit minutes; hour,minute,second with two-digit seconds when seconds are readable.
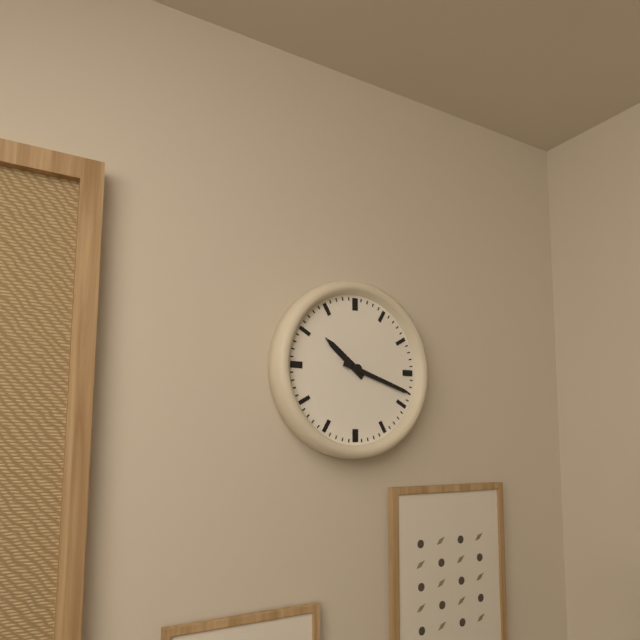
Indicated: 10,18
